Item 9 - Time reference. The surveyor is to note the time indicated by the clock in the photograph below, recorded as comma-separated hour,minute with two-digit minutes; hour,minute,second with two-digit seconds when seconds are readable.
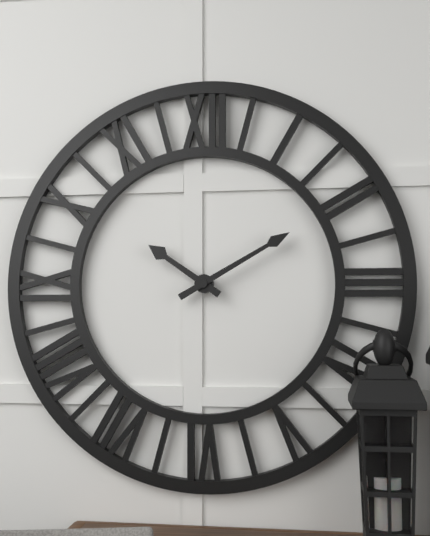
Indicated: 10,10
